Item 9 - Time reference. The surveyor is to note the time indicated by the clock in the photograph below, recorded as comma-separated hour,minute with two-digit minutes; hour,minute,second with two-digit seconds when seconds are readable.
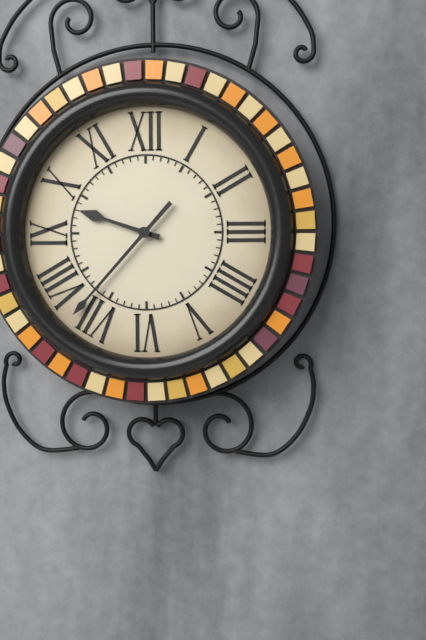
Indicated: 9,37
